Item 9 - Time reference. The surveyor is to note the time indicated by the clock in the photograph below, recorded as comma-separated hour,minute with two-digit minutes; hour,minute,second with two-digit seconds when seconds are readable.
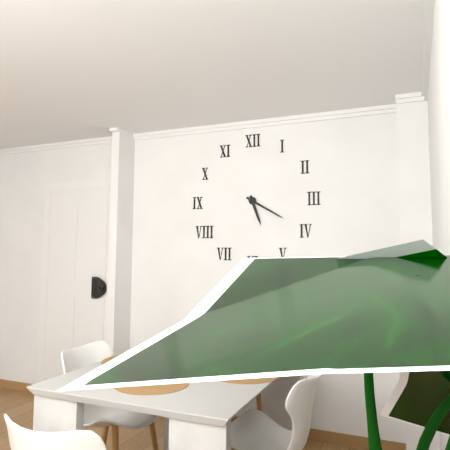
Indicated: 5,20
